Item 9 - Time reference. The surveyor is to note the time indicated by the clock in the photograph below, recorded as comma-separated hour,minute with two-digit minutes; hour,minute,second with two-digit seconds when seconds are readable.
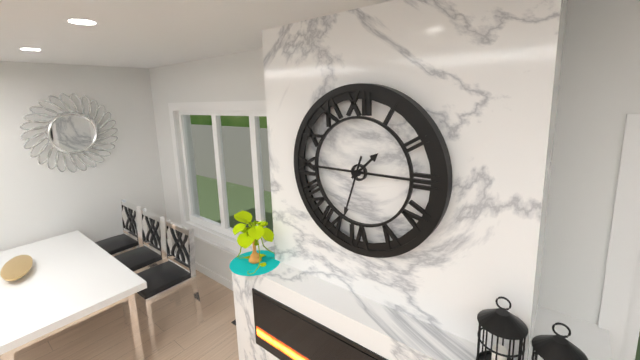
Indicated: 1,33
